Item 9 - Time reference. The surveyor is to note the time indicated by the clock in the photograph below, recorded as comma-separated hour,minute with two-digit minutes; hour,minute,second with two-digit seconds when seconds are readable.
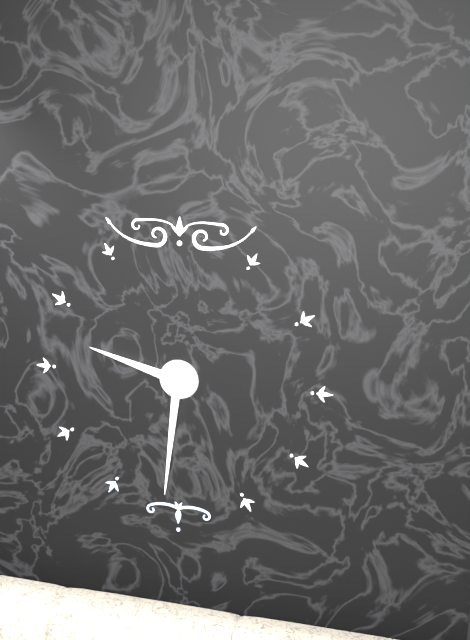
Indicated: 9,31
